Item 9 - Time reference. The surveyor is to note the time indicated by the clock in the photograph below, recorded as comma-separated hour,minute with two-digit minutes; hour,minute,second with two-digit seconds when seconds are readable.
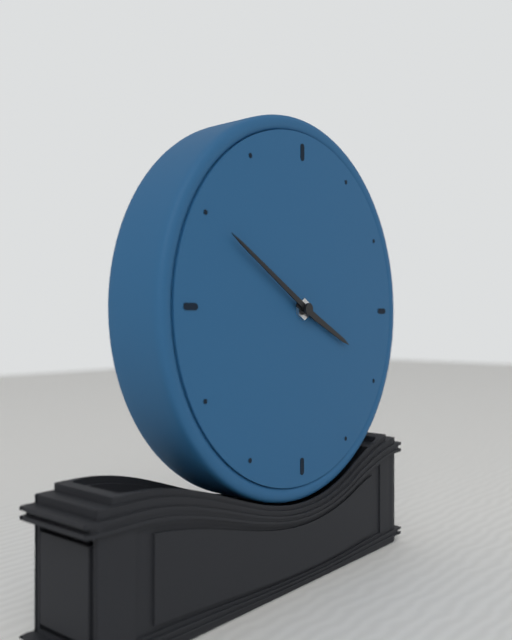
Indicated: 3,50
